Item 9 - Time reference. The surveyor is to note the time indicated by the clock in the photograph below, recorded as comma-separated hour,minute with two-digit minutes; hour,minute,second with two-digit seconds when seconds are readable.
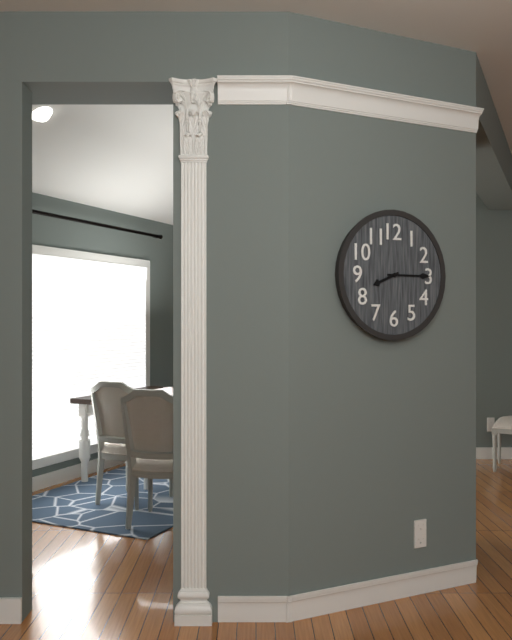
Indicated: 8,15
